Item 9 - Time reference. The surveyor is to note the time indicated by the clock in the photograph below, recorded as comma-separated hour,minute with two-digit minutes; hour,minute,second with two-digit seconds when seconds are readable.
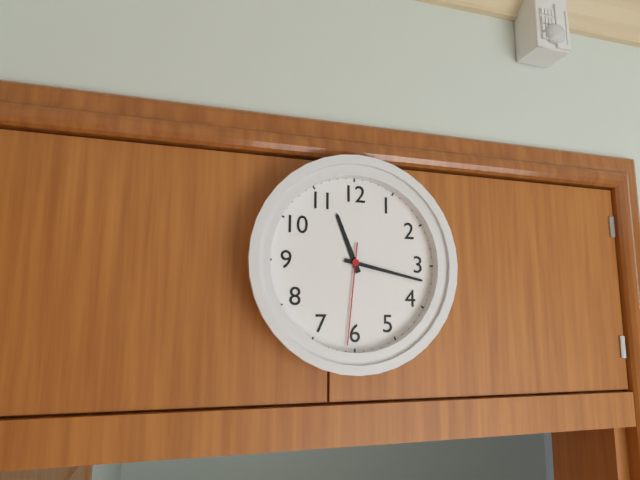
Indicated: 11,17,31
